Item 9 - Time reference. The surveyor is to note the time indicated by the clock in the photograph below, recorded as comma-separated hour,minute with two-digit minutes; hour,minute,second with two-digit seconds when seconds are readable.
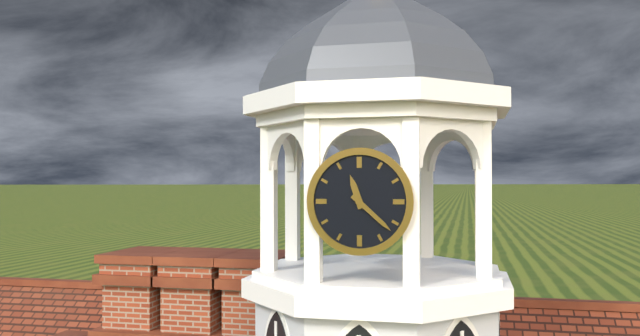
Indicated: 11,22
